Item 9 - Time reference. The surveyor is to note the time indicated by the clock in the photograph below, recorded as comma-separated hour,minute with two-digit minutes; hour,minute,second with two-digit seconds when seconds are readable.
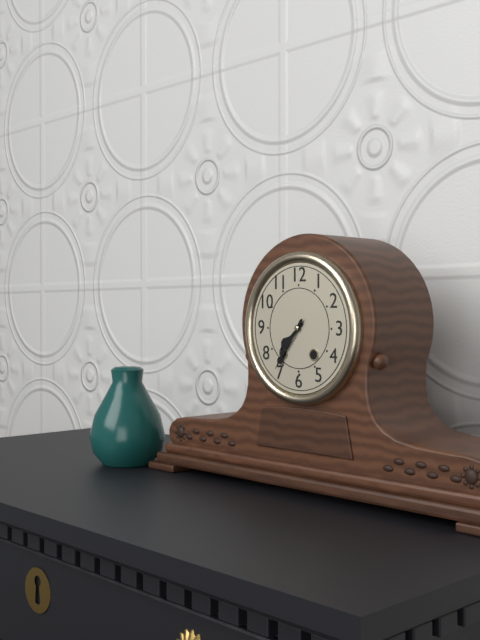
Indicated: 7,36
